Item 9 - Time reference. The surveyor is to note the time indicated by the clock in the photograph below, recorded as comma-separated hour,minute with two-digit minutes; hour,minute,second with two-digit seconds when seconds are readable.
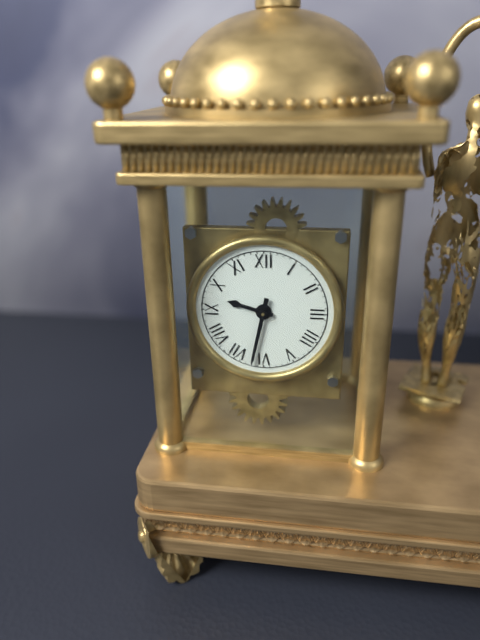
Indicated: 9,32
